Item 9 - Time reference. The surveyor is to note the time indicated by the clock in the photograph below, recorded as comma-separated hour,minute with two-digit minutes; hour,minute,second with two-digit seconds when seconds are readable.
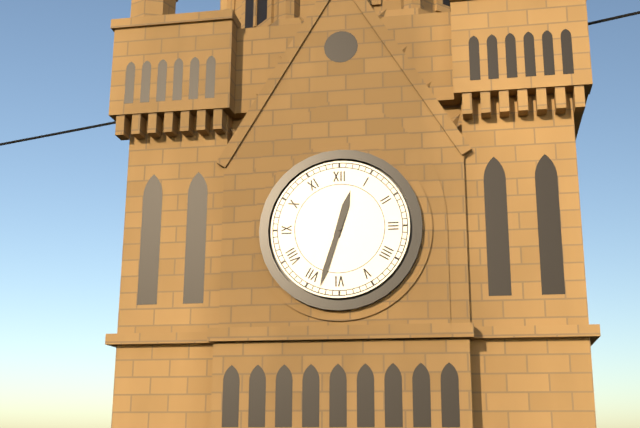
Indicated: 12,33
